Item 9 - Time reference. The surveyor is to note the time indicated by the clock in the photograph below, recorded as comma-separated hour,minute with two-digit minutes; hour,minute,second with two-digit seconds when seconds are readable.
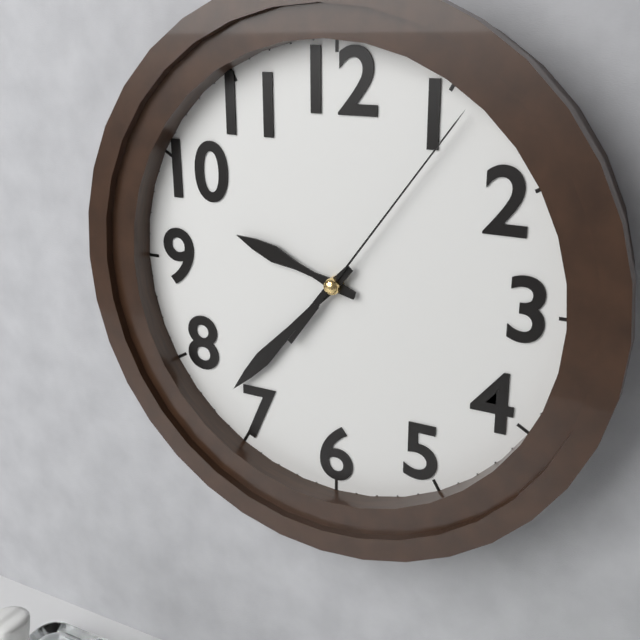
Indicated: 9,37,06
